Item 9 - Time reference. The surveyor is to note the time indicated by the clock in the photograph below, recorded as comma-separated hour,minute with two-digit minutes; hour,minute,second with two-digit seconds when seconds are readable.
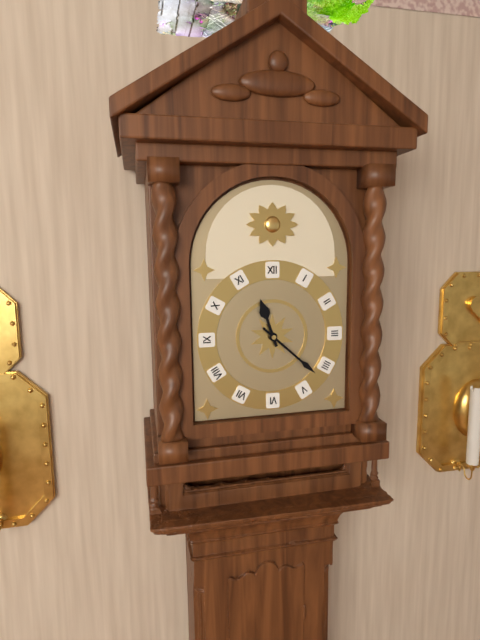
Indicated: 11,22
